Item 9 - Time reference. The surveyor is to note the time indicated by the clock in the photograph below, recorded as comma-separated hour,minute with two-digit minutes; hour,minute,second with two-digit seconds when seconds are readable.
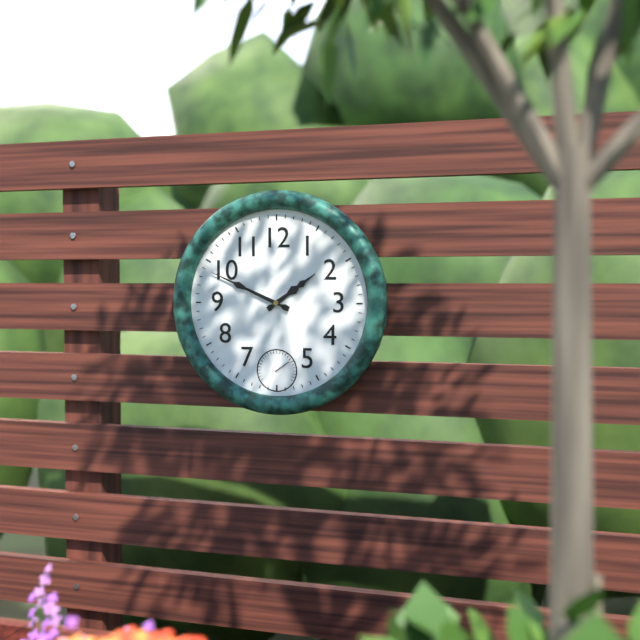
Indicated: 1,49
